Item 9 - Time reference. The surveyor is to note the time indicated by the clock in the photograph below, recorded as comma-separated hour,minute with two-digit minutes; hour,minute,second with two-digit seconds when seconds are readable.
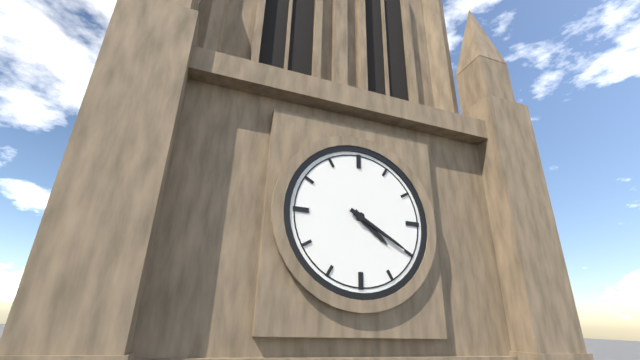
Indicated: 4,20
